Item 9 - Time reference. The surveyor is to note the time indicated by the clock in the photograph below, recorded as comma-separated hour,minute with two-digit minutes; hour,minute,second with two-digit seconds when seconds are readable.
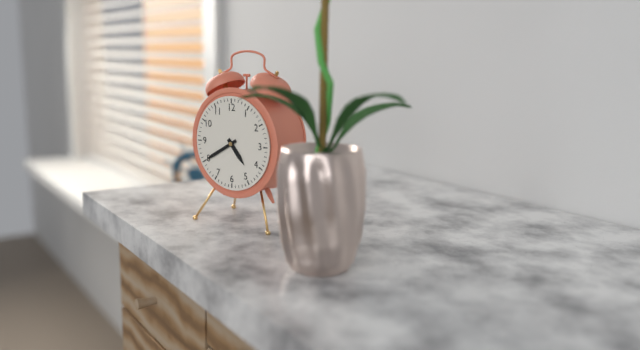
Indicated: 4,40
